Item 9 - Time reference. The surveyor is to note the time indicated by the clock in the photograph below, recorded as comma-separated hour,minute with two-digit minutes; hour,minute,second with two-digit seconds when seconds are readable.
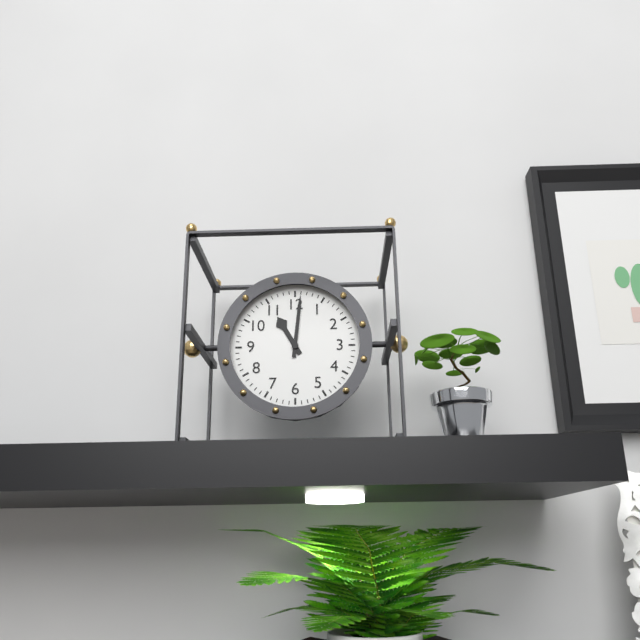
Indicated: 11,01
